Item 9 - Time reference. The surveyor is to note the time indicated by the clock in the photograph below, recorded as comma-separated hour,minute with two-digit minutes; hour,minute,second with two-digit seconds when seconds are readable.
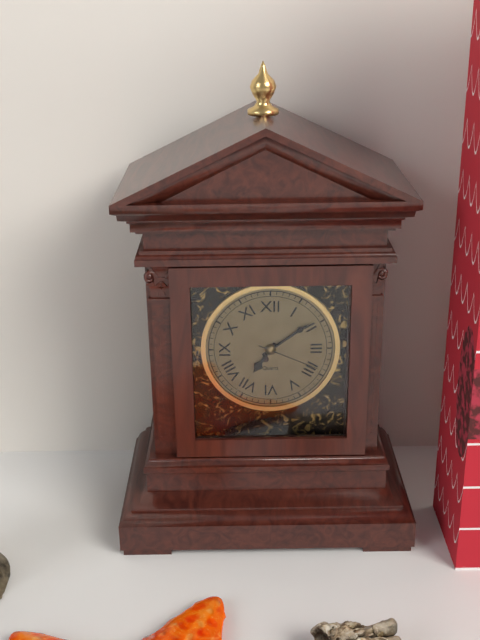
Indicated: 7,09,19
